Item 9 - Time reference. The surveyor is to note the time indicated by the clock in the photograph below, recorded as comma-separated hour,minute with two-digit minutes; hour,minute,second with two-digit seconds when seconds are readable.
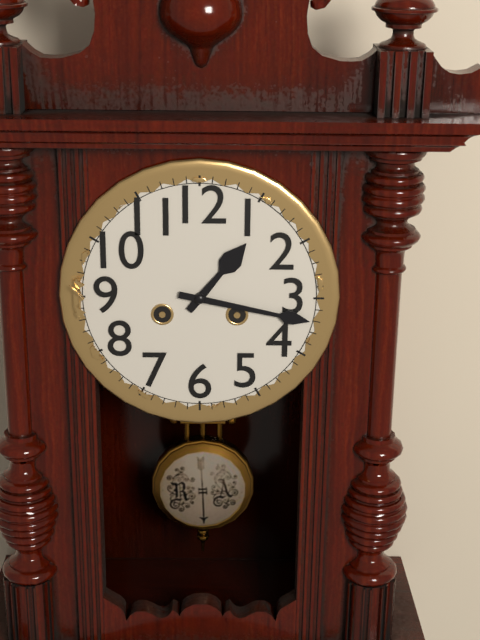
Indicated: 1,17
